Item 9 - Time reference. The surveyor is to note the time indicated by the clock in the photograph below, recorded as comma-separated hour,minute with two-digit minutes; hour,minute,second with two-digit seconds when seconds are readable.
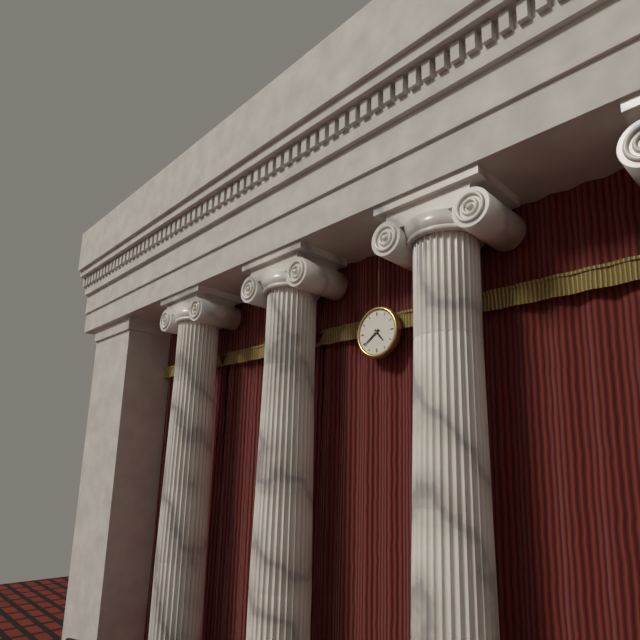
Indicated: 4,39
